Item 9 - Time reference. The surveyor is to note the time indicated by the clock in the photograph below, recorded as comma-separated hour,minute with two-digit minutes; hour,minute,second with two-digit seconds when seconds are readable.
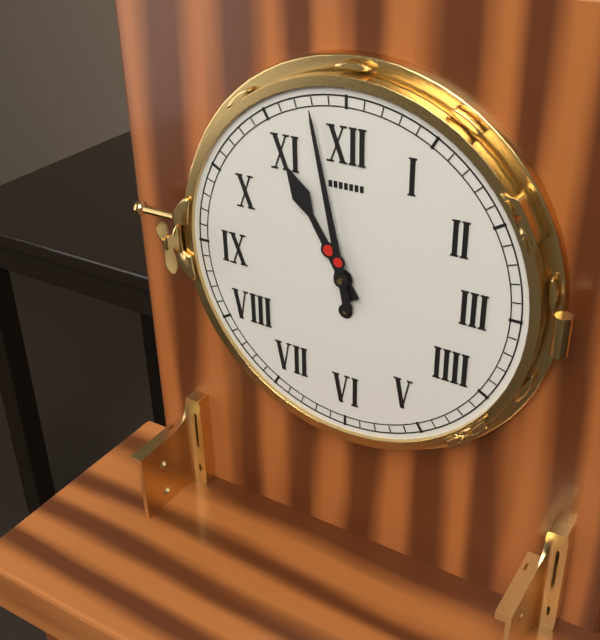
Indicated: 10,58
